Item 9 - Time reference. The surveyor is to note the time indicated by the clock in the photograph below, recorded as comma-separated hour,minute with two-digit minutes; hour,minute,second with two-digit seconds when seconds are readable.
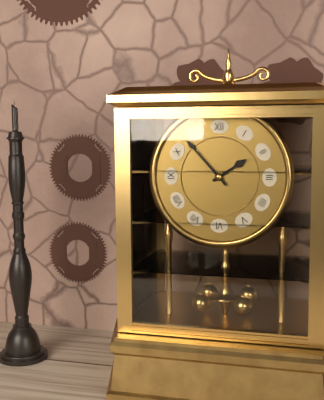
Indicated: 1,53
